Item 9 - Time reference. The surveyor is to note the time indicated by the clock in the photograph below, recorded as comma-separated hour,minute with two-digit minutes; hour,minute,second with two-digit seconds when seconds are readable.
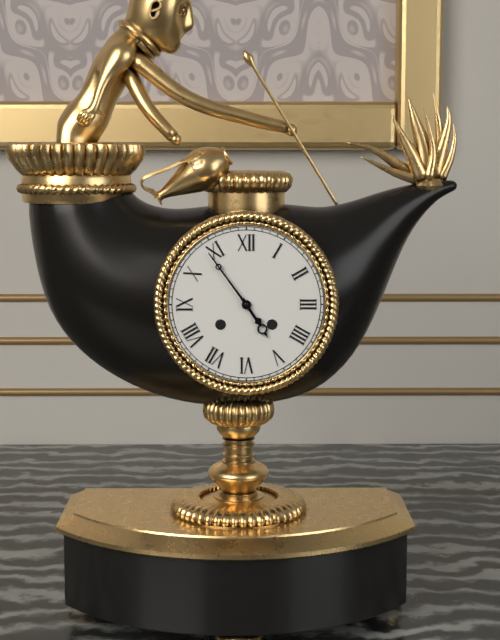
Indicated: 4,54
